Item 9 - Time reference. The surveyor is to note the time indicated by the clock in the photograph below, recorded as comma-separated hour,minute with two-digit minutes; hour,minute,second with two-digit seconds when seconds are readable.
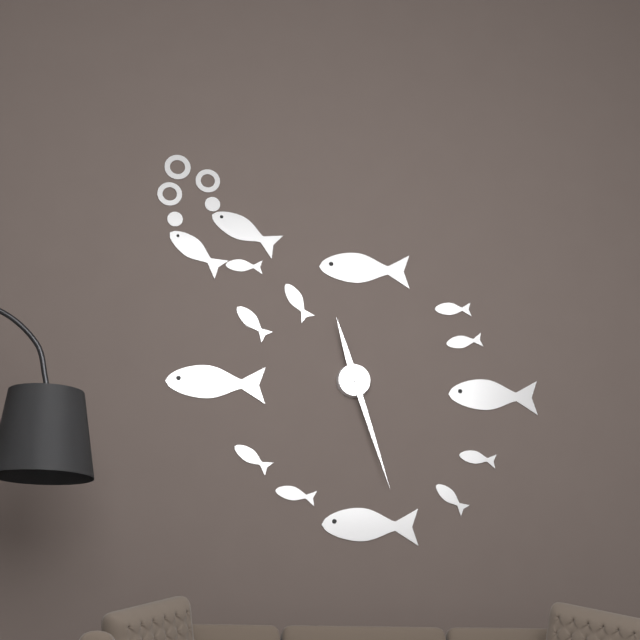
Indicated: 11,27
